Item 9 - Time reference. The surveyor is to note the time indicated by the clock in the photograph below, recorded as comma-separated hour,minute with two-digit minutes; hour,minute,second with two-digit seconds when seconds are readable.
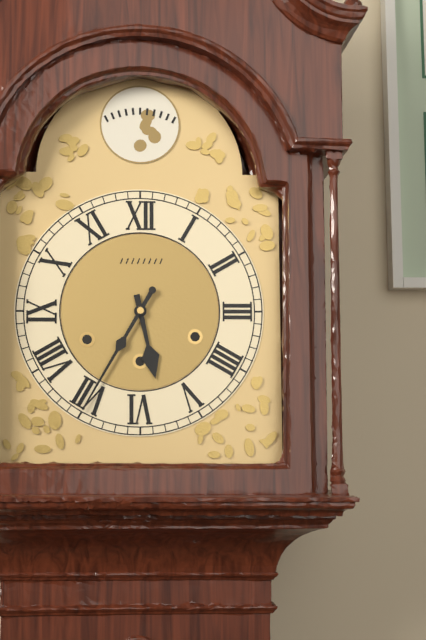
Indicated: 5,35
